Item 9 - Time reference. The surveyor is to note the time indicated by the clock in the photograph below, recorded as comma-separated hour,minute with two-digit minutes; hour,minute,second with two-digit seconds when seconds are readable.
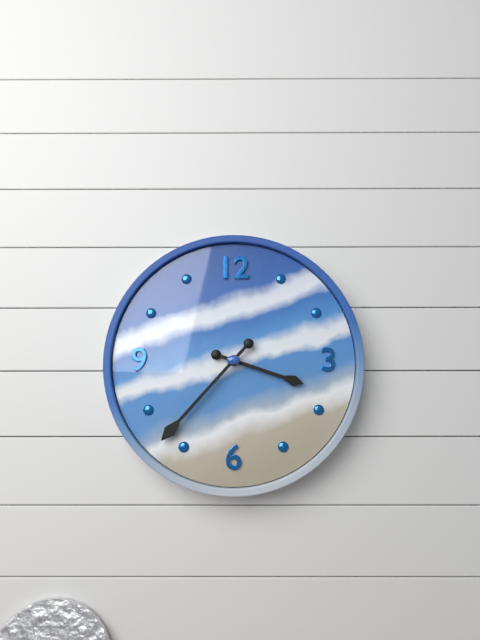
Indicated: 3,37
